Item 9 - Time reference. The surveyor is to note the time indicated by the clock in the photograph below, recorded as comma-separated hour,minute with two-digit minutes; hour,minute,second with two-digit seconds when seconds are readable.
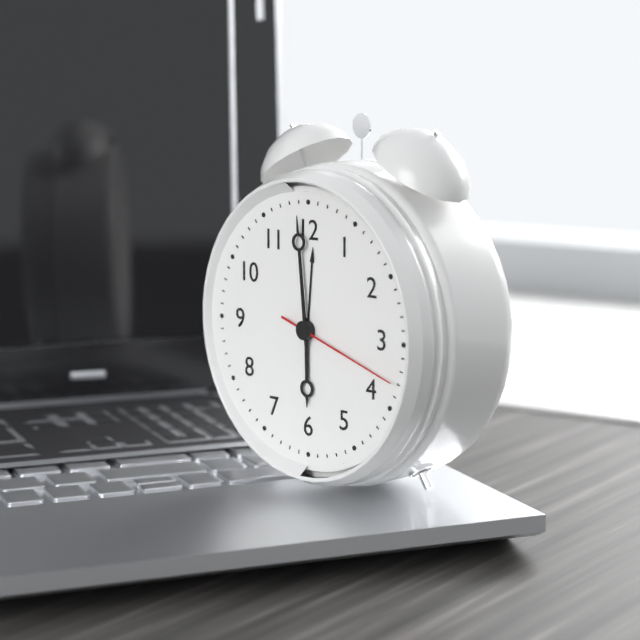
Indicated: 5,59,18
